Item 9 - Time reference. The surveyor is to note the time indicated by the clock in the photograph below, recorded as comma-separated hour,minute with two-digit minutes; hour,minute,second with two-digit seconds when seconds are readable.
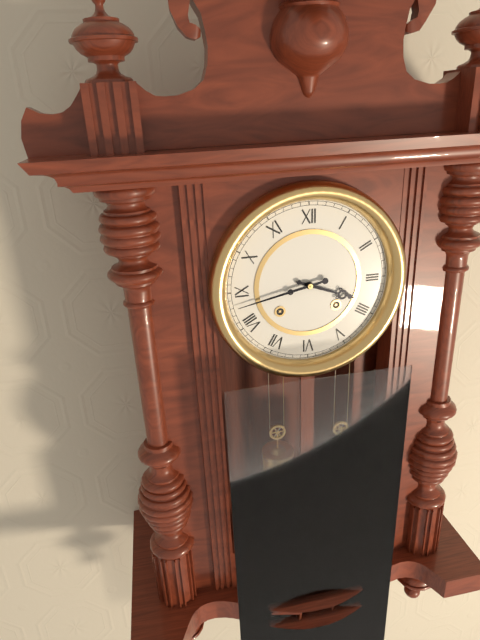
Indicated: 3,43
